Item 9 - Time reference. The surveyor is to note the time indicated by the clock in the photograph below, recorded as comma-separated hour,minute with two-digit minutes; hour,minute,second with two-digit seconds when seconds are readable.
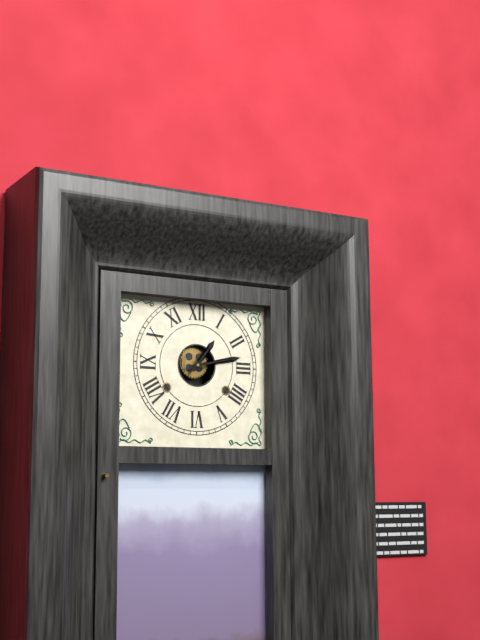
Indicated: 1,13
